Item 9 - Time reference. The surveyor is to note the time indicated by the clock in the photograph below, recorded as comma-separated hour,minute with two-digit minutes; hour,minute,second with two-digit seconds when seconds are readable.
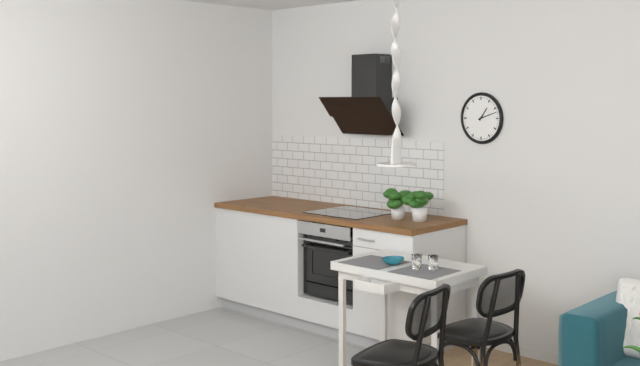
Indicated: 1,12
